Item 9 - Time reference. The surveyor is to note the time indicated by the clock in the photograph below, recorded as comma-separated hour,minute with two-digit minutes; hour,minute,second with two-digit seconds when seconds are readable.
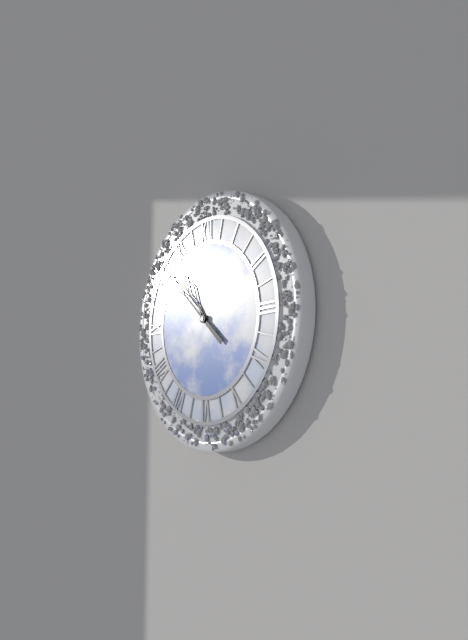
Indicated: 10,52
